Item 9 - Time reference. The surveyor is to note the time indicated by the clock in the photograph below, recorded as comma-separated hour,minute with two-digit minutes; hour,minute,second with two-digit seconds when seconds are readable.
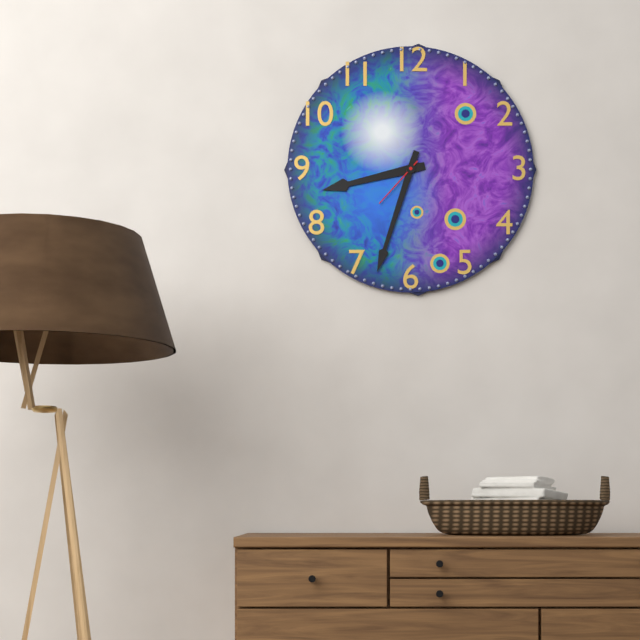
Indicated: 8,33,37
